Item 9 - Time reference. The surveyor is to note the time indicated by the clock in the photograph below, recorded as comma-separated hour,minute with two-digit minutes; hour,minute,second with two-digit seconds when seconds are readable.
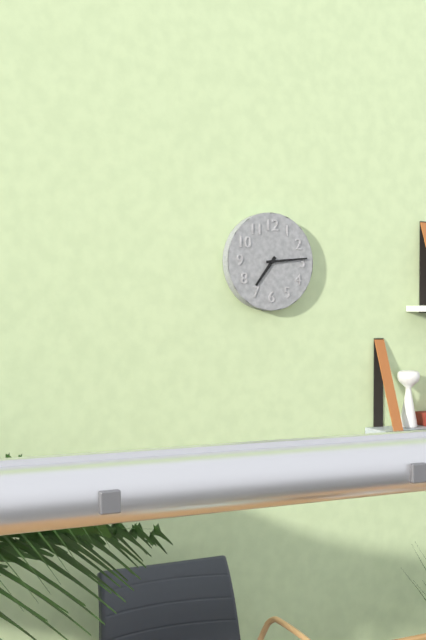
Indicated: 7,14
